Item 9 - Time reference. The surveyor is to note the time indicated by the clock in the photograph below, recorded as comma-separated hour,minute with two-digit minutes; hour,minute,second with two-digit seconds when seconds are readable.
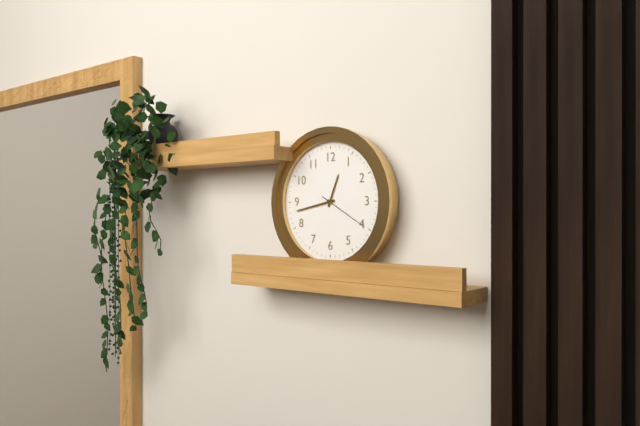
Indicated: 12,43,20
